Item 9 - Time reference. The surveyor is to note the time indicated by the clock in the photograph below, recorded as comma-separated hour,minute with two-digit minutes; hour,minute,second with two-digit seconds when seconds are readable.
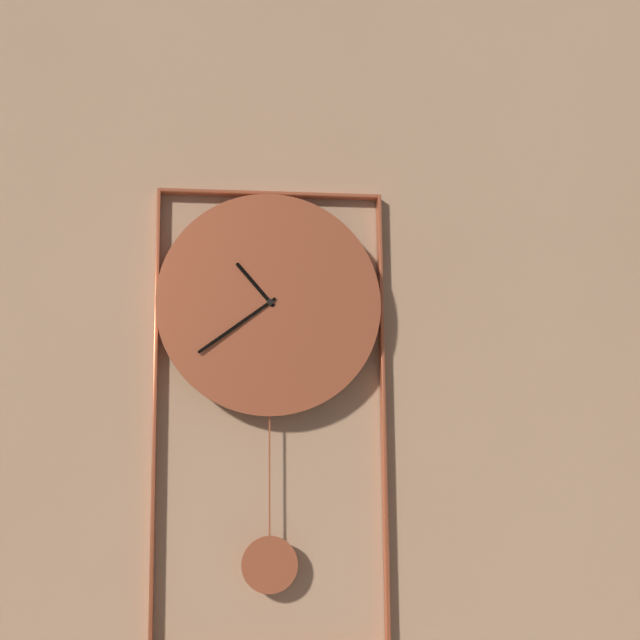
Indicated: 10,39
